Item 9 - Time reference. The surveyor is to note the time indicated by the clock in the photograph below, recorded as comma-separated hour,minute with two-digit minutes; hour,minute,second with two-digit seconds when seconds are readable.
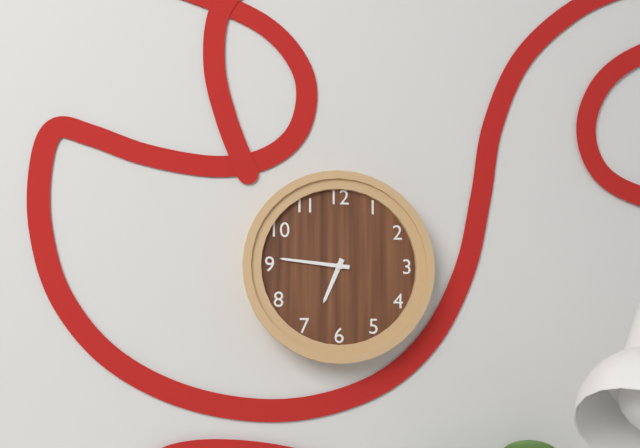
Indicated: 6,46
